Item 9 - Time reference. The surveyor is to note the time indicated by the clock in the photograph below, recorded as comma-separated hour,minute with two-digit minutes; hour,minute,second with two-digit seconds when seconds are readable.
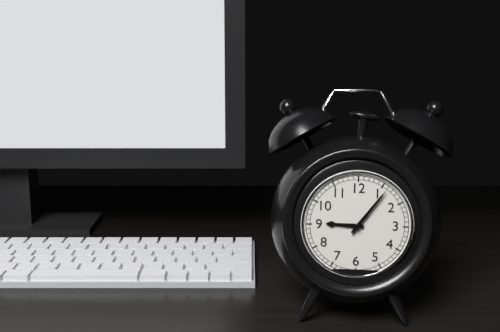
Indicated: 9,06
